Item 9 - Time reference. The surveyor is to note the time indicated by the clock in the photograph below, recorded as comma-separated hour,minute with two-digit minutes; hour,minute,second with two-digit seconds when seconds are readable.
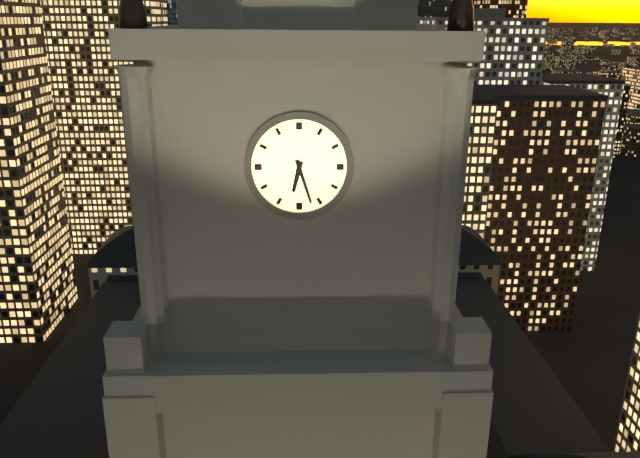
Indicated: 6,27
